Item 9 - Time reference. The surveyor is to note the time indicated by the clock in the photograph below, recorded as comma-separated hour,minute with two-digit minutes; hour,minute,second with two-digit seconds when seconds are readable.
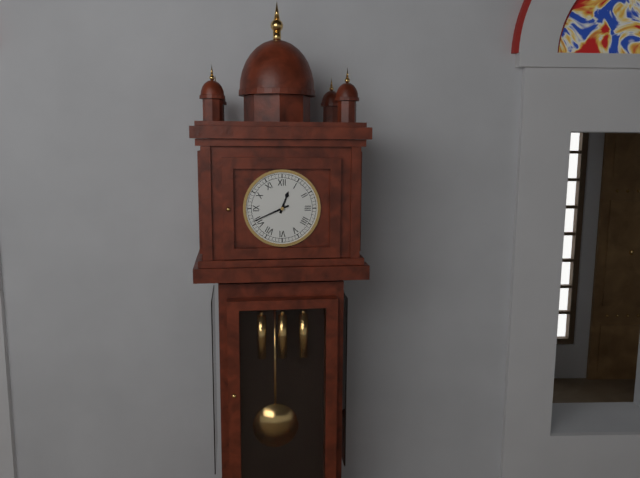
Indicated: 12,41
